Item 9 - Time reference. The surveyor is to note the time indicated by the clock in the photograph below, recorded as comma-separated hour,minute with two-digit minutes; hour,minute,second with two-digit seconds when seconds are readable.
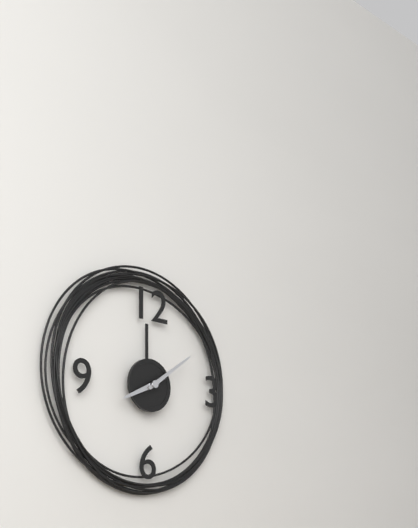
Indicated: 8,09
